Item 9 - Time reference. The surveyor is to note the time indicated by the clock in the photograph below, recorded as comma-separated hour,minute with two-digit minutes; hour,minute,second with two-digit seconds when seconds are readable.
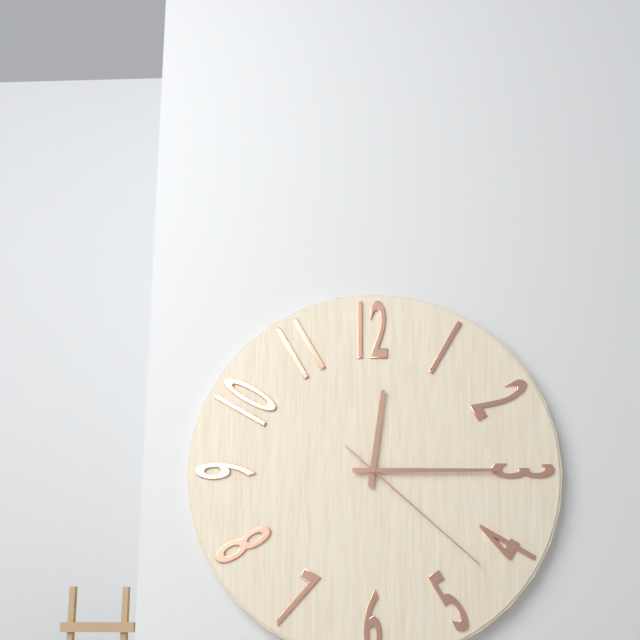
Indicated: 12,15,22
